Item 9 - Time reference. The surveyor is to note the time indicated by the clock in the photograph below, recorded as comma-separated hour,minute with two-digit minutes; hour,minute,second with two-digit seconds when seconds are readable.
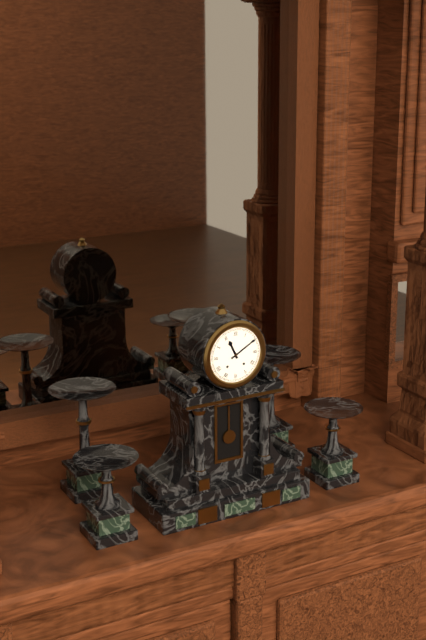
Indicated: 11,10
